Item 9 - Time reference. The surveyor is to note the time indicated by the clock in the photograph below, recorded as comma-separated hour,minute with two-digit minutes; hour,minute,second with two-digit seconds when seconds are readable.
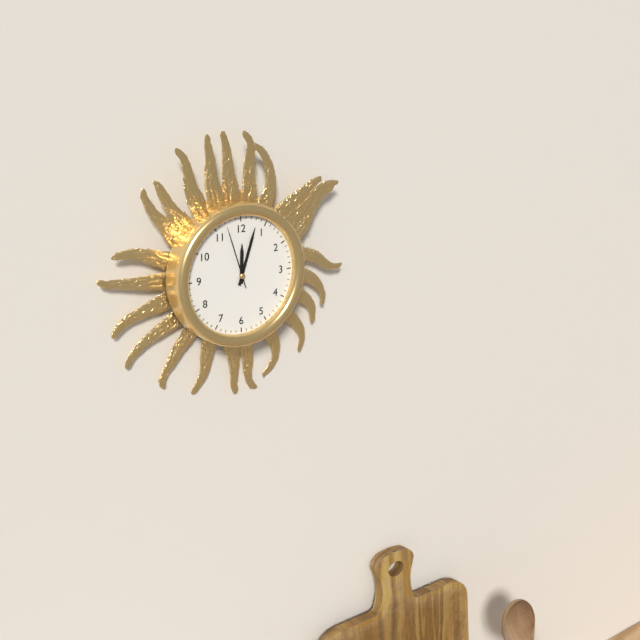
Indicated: 12,03,57
